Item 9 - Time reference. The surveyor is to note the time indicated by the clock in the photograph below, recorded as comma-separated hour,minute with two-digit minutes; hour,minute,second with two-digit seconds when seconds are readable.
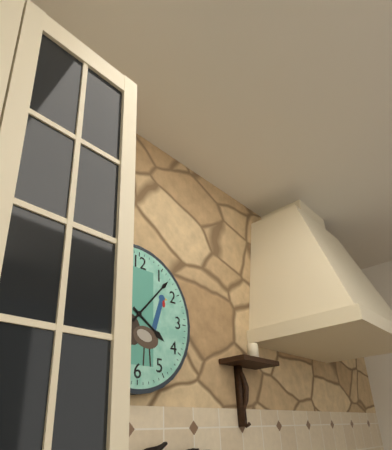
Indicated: 4,07
